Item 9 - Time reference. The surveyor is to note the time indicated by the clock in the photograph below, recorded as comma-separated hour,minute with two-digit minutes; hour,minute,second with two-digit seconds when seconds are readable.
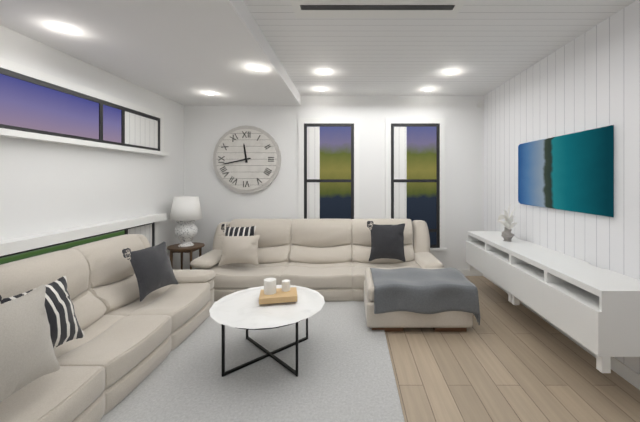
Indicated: 11,43
